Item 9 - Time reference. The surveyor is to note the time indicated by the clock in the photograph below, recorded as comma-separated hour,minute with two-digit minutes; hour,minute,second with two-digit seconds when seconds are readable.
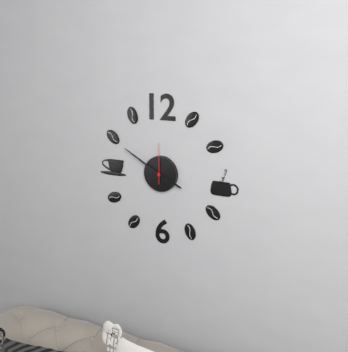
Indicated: 3,50
